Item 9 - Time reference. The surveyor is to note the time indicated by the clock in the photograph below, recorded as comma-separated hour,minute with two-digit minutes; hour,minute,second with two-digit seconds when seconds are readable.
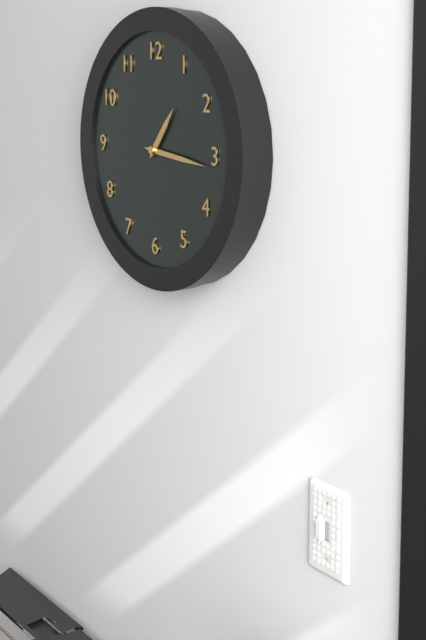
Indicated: 1,16
